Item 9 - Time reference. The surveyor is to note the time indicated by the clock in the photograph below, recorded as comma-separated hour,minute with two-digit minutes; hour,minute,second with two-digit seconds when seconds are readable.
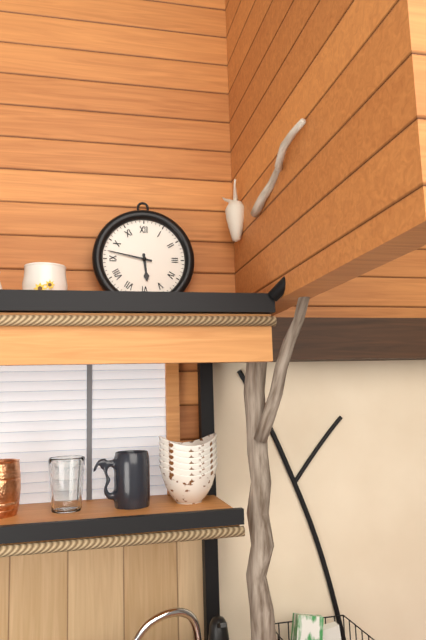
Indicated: 5,47
